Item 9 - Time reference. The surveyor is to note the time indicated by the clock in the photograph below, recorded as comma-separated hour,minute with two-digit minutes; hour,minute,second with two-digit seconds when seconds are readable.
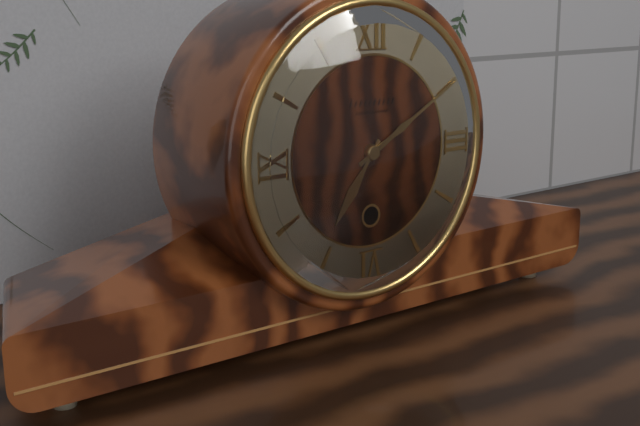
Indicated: 7,10
